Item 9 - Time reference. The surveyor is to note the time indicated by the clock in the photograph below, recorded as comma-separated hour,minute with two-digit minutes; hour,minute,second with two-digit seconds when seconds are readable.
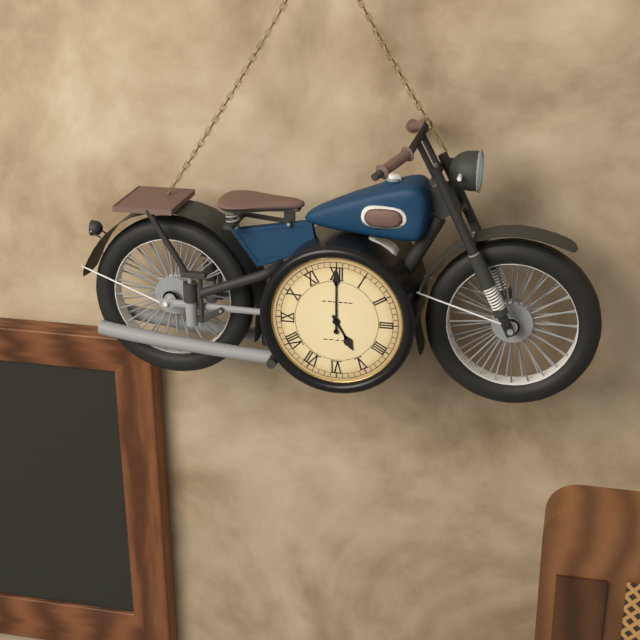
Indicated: 5,00
